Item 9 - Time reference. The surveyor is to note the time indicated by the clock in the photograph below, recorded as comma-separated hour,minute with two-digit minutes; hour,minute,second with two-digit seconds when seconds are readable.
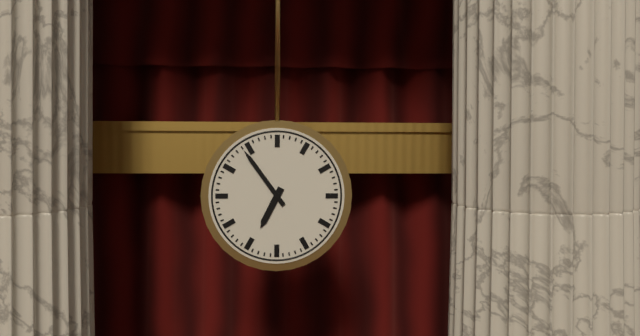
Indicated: 6,54
